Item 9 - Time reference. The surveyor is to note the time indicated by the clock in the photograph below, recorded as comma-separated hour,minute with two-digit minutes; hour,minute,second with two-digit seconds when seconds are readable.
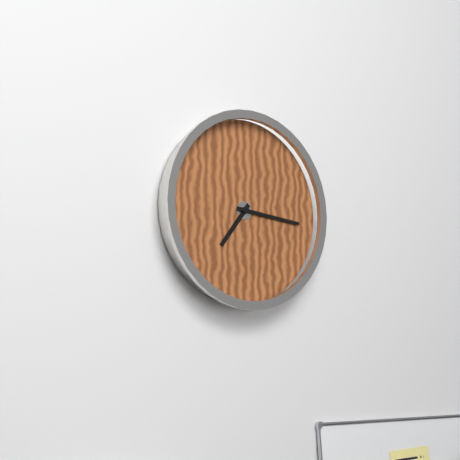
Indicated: 7,16
